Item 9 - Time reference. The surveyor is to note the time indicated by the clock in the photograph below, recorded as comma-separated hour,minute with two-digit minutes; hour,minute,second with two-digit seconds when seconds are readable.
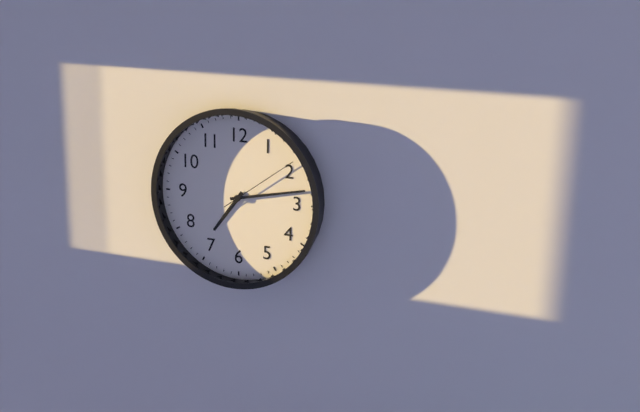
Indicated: 7,13,09
